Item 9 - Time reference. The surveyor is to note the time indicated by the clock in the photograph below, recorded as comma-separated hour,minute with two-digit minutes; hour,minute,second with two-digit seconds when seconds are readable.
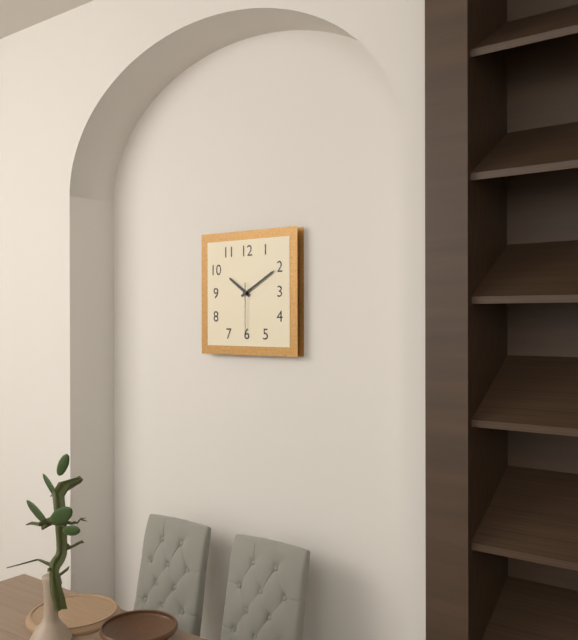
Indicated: 10,10,30
